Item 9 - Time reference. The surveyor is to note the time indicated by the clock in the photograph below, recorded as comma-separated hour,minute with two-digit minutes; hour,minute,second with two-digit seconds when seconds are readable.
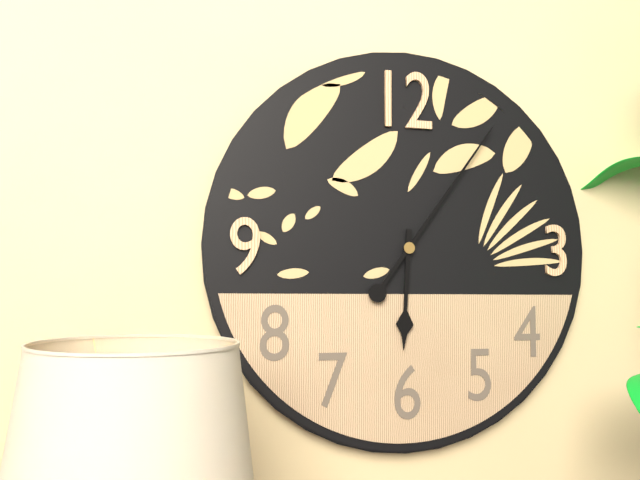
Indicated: 6,06
